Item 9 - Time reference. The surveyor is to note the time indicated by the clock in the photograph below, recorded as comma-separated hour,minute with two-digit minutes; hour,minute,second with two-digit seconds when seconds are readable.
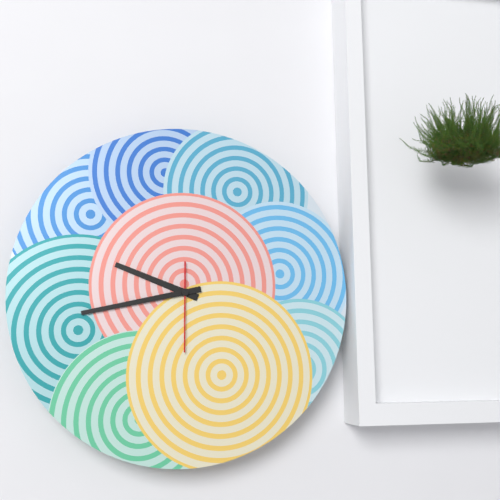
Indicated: 9,43,30
